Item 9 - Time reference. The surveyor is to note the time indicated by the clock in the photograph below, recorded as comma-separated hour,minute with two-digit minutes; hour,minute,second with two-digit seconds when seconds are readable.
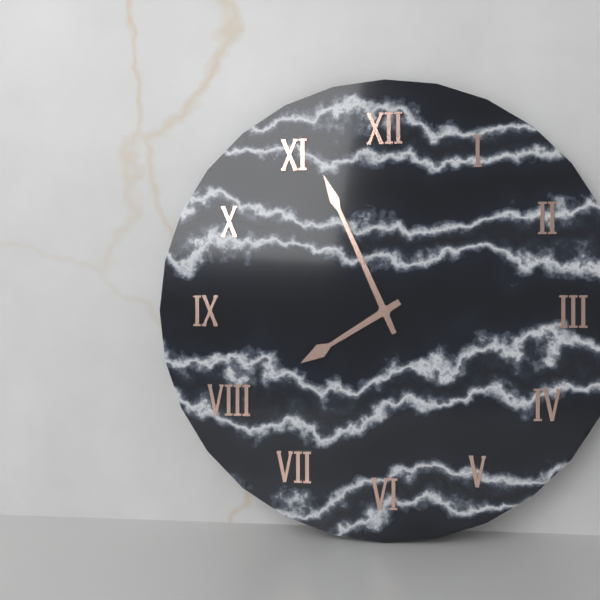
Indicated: 7,56
